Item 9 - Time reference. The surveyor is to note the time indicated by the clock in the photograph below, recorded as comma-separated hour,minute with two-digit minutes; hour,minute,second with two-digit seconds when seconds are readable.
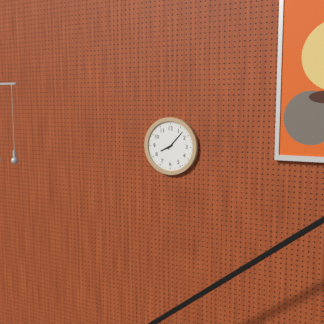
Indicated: 8,07
